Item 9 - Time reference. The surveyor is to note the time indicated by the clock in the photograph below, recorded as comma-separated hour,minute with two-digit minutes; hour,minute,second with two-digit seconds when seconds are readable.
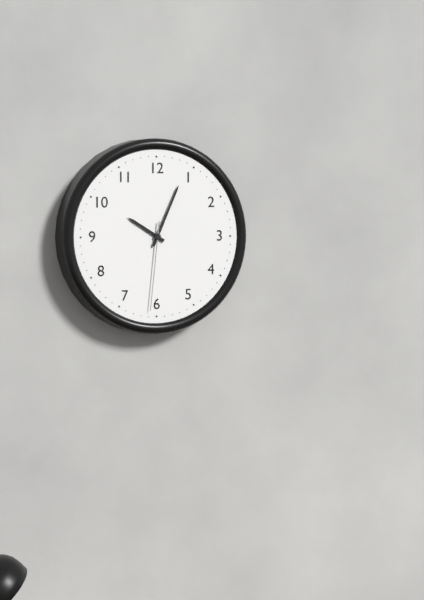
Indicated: 10,04,31
